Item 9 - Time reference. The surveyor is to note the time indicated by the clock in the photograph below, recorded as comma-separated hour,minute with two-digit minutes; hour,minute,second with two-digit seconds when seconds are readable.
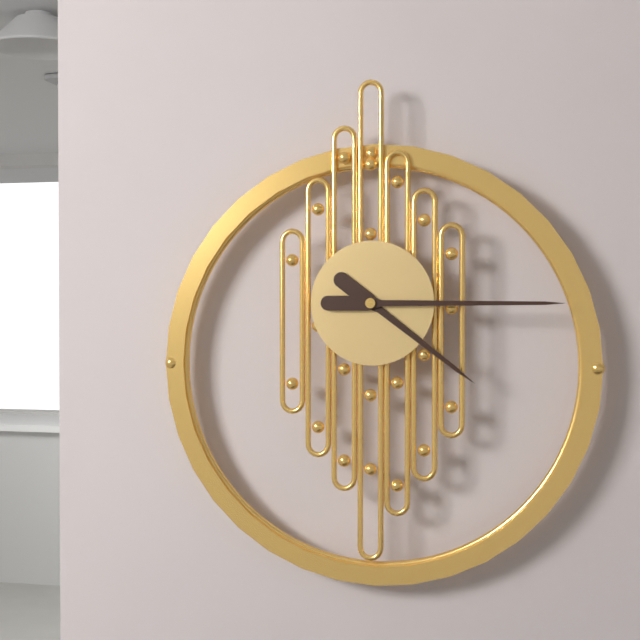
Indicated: 4,15
